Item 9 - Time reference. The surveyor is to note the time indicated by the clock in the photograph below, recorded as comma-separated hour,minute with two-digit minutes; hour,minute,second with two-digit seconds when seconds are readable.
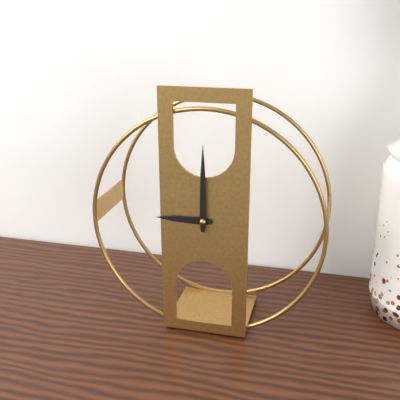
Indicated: 9,00
